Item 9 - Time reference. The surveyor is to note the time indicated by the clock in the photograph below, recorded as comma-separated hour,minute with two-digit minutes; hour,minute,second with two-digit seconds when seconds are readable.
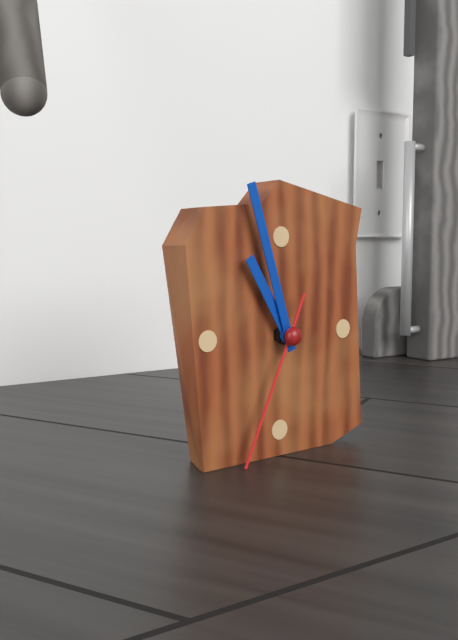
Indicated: 10,57,34
